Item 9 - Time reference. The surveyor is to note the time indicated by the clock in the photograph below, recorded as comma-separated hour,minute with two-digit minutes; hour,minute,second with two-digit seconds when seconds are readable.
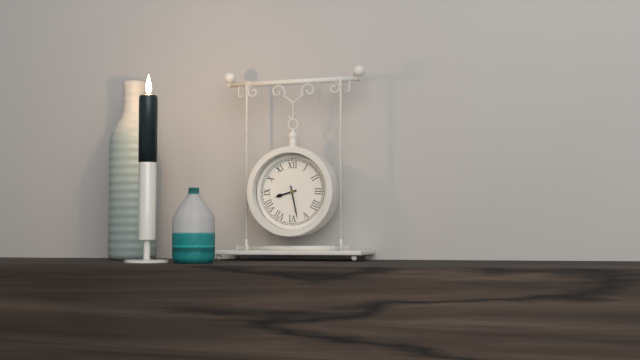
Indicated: 8,28
